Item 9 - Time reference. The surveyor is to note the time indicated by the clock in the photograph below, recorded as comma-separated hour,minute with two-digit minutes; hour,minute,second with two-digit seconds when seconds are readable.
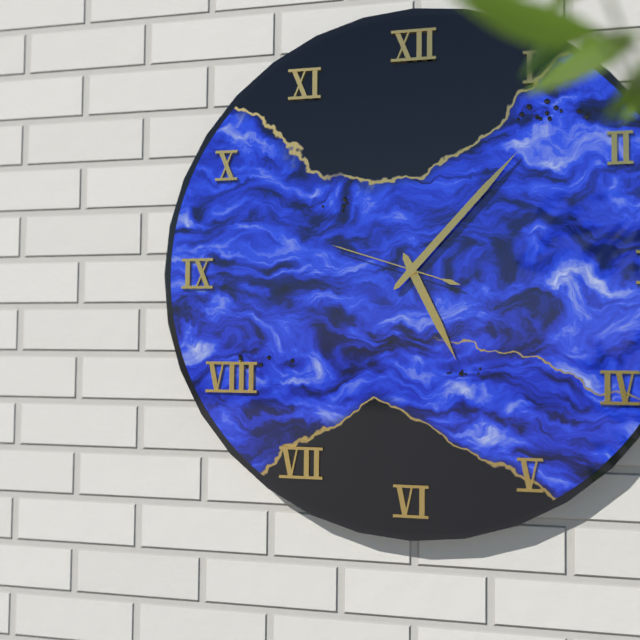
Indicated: 5,07,48
